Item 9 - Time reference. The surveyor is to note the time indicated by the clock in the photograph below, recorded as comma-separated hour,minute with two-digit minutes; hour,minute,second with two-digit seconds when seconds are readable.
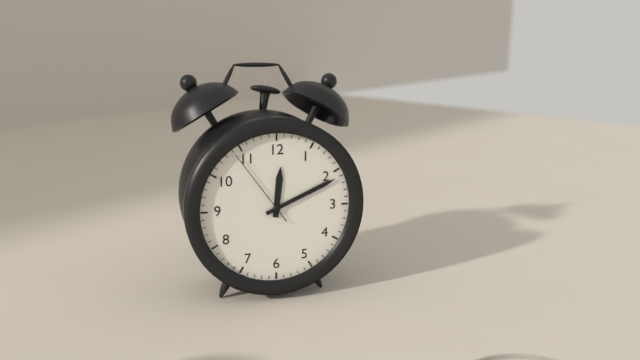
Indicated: 12,11,54
